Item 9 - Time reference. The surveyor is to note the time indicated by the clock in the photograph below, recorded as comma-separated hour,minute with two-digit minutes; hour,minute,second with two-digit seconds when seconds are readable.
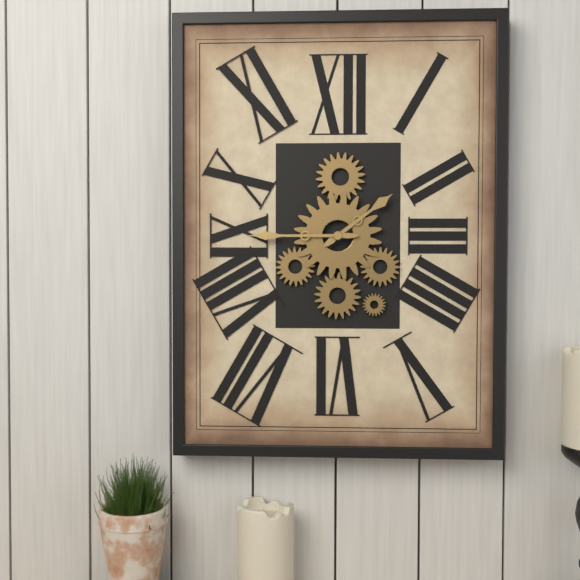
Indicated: 1,45
